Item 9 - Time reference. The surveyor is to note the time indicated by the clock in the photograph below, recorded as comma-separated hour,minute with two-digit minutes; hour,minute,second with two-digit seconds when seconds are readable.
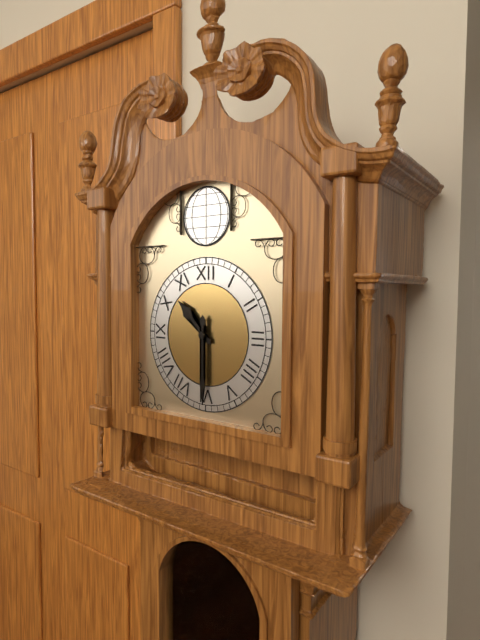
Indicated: 10,30
